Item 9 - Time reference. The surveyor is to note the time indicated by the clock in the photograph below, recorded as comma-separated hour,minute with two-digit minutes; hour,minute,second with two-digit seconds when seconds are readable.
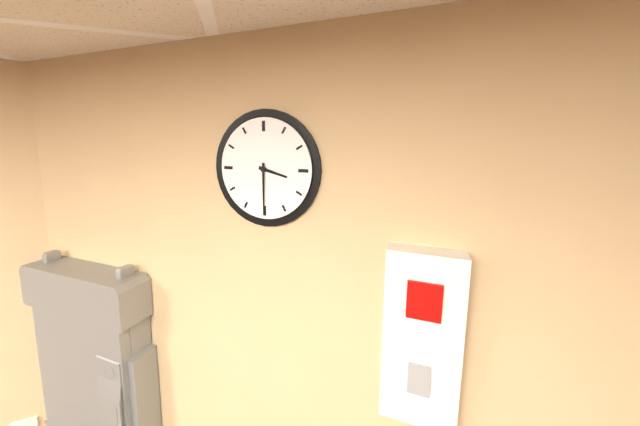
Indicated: 3,30
